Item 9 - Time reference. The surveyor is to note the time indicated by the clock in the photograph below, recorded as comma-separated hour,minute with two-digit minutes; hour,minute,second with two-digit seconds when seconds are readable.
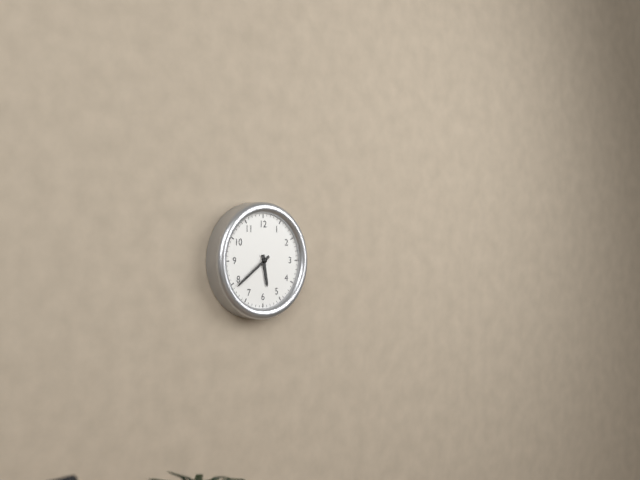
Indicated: 5,39
